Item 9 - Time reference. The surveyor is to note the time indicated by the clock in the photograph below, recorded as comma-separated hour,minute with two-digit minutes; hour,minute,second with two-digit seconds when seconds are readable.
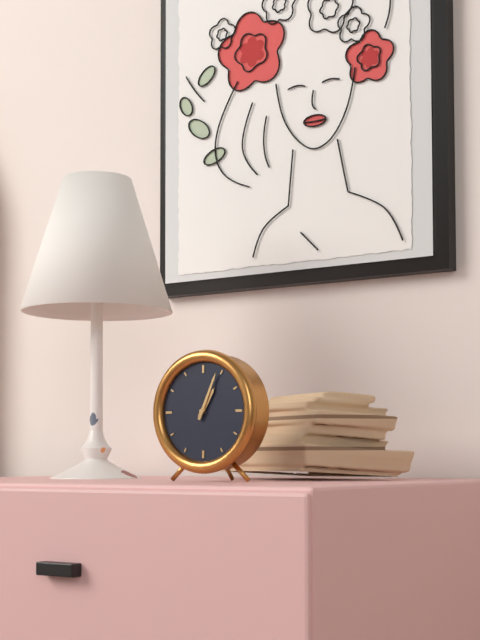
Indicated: 1,04
